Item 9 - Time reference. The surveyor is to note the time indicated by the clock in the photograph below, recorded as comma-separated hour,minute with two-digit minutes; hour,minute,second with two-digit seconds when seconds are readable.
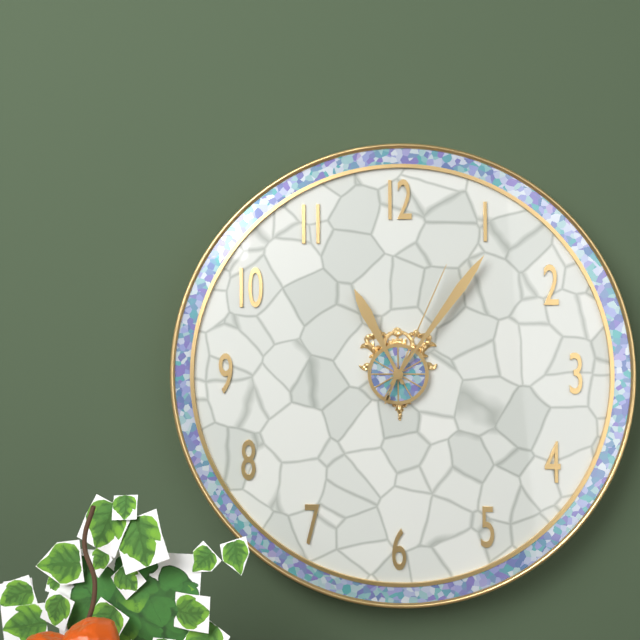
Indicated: 11,06,04
